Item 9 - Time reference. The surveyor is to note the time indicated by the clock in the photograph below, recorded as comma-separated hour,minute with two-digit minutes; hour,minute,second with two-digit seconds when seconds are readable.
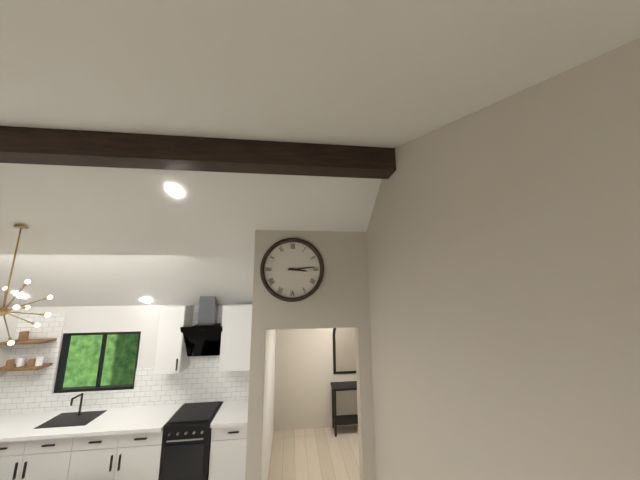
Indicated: 3,14
